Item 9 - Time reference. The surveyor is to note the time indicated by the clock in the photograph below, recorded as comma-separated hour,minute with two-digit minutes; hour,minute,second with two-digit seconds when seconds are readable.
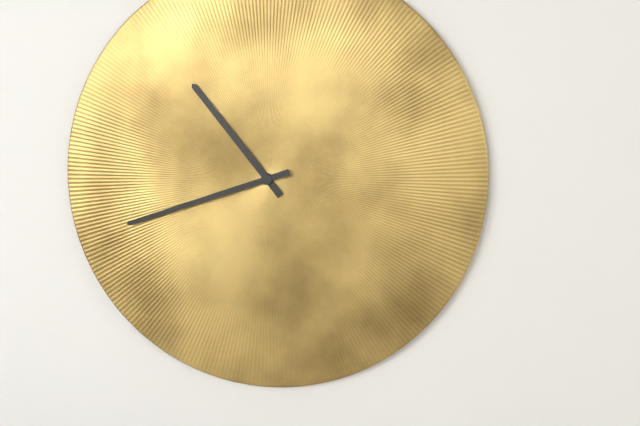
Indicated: 10,42
